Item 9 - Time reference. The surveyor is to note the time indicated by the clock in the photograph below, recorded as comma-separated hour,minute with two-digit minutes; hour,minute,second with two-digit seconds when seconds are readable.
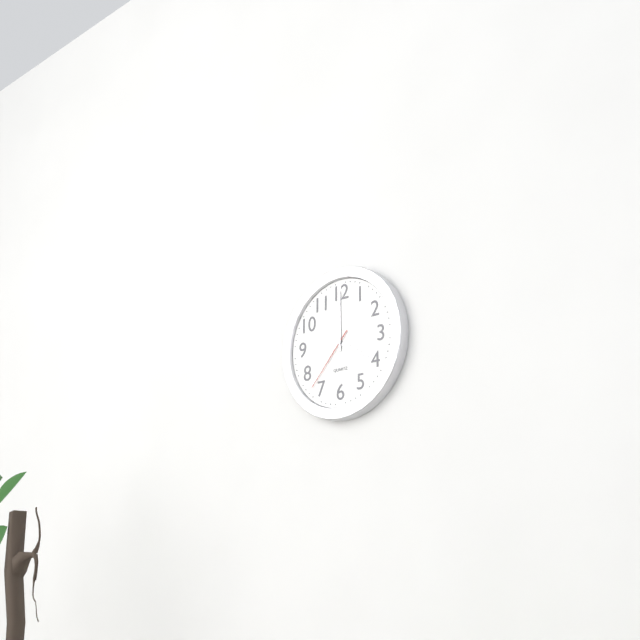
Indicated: 4,00,37
